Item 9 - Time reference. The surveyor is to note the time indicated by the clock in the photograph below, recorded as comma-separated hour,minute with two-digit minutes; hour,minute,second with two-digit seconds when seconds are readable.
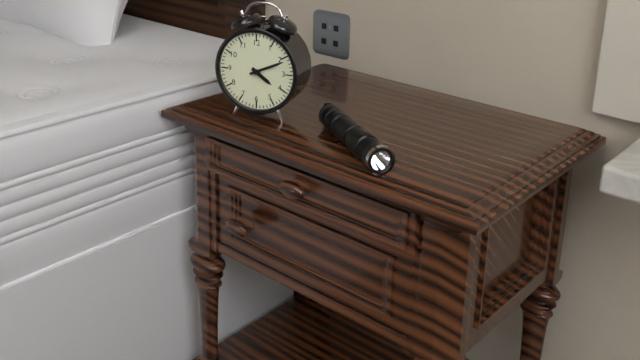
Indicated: 4,11
